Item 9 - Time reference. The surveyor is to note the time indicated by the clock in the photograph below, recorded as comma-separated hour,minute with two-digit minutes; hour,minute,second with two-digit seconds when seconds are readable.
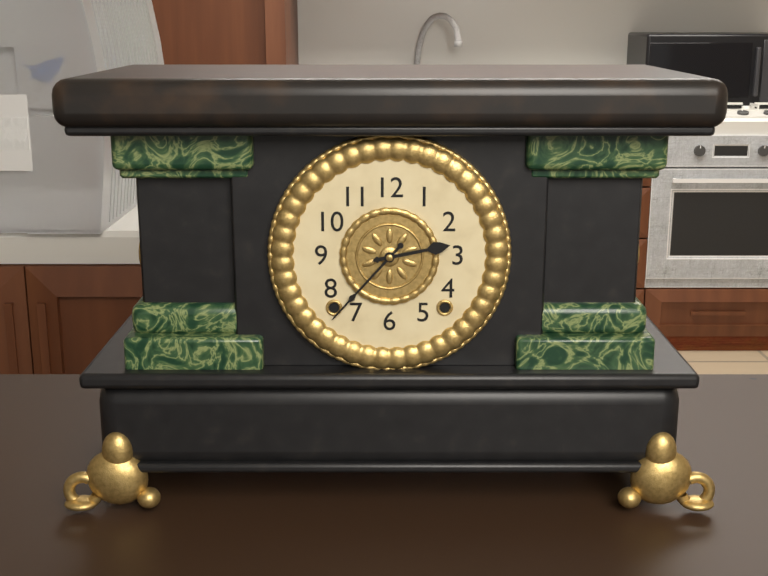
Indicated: 2,37
